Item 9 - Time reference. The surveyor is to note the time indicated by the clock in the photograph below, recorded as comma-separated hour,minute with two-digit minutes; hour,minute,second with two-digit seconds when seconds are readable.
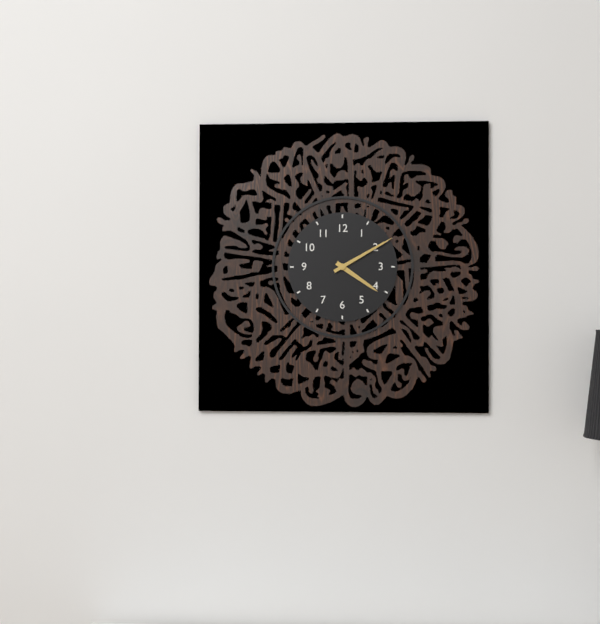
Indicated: 4,10
